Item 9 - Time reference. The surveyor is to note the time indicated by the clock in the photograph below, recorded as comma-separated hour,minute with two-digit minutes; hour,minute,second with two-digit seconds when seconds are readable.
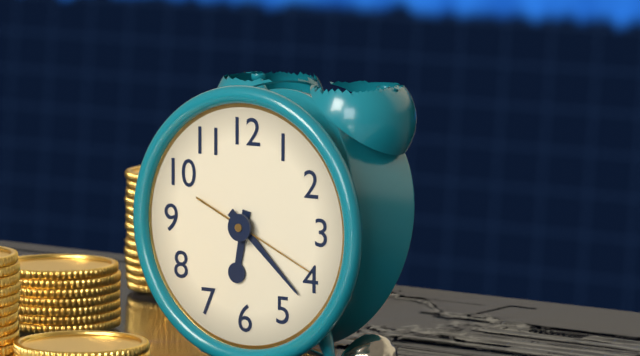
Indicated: 6,22,19
